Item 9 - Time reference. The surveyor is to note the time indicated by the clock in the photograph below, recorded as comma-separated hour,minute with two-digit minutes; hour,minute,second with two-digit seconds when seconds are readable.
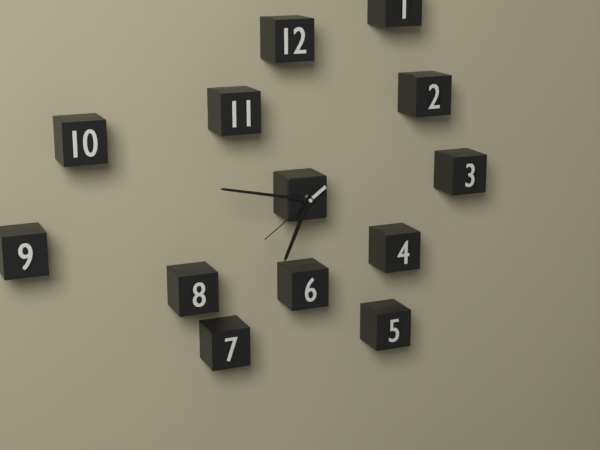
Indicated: 6,47,39
